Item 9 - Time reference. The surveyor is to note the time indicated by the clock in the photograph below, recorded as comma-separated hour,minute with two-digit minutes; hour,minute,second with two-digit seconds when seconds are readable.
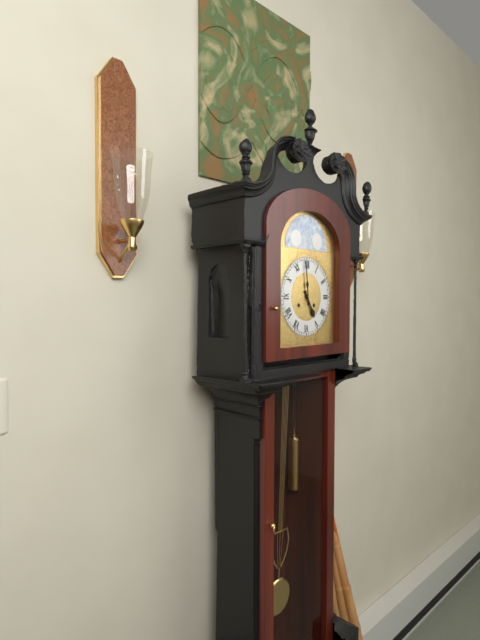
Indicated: 4,59
